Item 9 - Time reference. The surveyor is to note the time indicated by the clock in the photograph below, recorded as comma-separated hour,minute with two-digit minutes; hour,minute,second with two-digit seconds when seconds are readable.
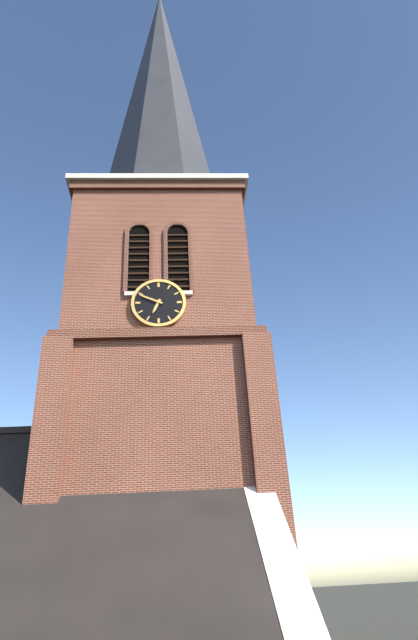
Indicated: 6,49
